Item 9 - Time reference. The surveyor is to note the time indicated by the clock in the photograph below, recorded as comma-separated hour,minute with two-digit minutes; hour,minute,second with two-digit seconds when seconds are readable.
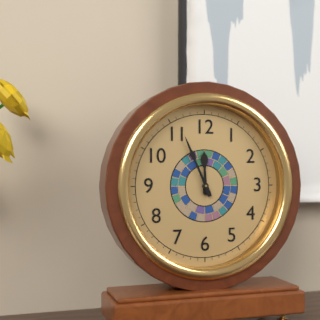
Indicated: 11,56
